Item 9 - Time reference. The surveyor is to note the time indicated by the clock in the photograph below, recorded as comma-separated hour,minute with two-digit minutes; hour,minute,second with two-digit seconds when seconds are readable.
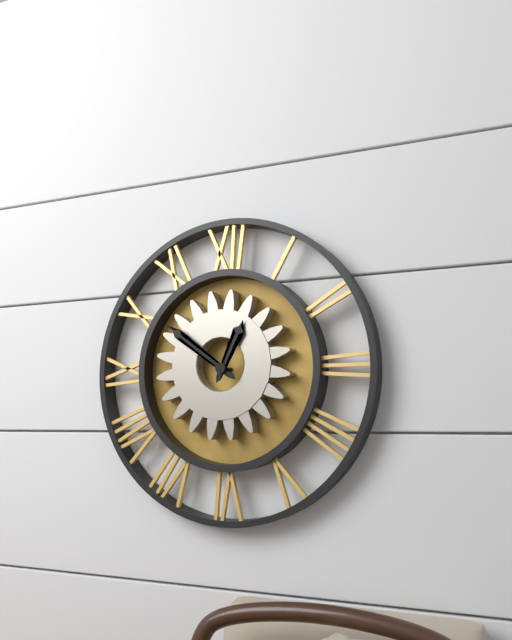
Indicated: 12,51
